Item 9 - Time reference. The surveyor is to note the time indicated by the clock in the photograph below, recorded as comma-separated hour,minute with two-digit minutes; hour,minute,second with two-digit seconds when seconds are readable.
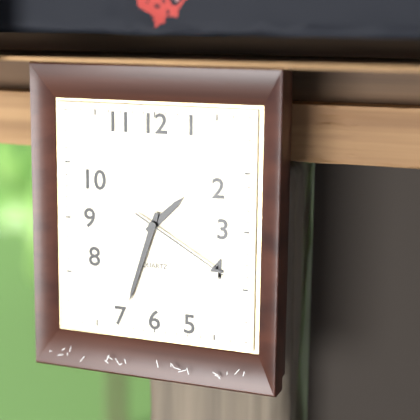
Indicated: 1,33,20
